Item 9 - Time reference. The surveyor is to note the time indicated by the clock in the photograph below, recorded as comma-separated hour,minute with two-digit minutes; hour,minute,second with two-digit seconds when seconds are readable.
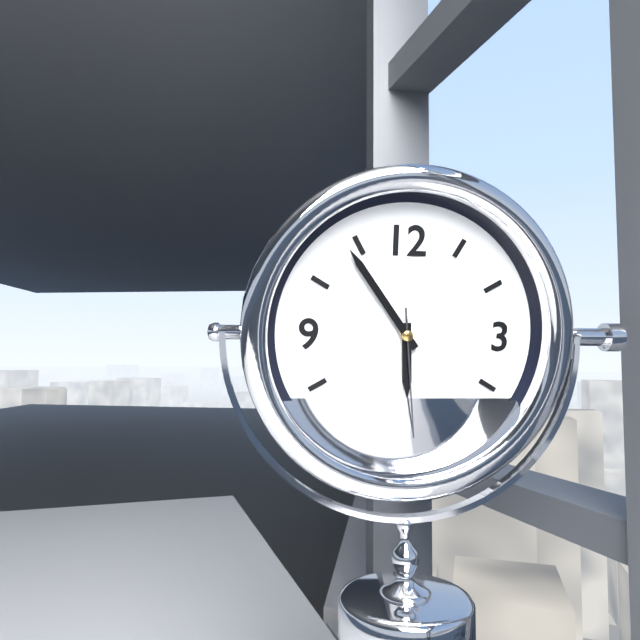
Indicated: 5,54,29
